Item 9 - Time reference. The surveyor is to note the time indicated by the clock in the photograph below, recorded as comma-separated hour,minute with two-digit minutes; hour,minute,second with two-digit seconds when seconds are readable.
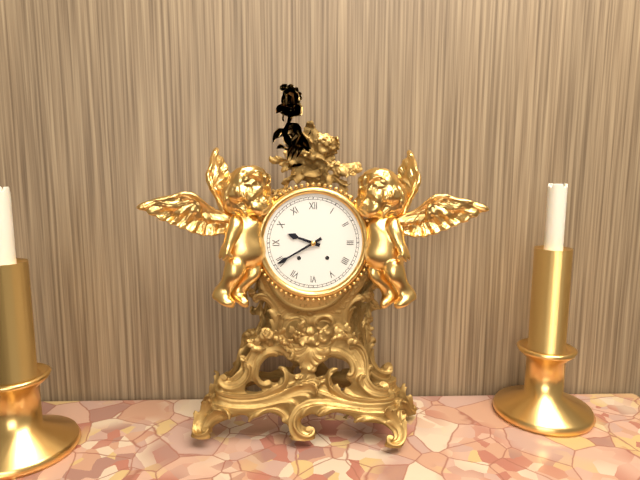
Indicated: 9,40
